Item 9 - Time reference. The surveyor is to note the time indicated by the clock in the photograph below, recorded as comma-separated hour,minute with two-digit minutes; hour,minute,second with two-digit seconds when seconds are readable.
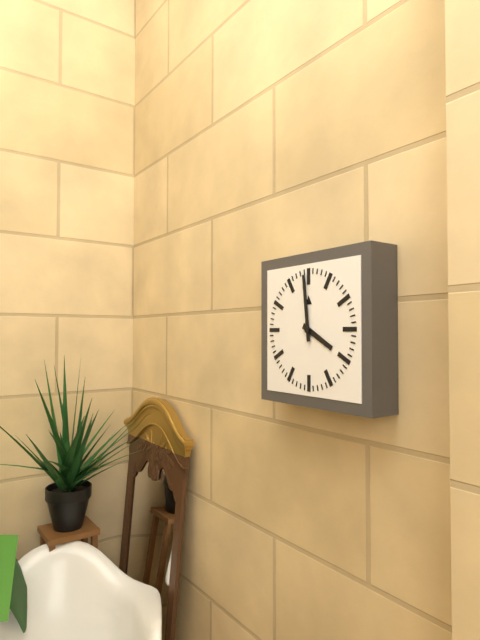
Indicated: 3,59
